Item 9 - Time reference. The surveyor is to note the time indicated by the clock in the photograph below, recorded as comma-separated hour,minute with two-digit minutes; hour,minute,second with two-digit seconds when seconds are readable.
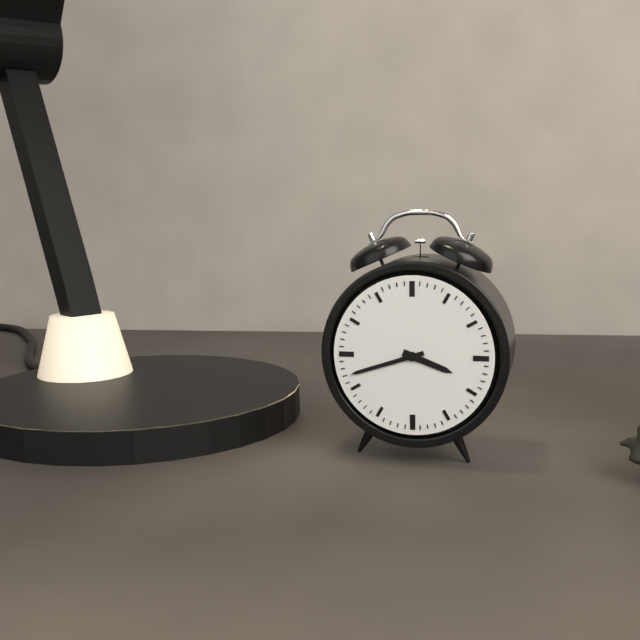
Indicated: 3,42
